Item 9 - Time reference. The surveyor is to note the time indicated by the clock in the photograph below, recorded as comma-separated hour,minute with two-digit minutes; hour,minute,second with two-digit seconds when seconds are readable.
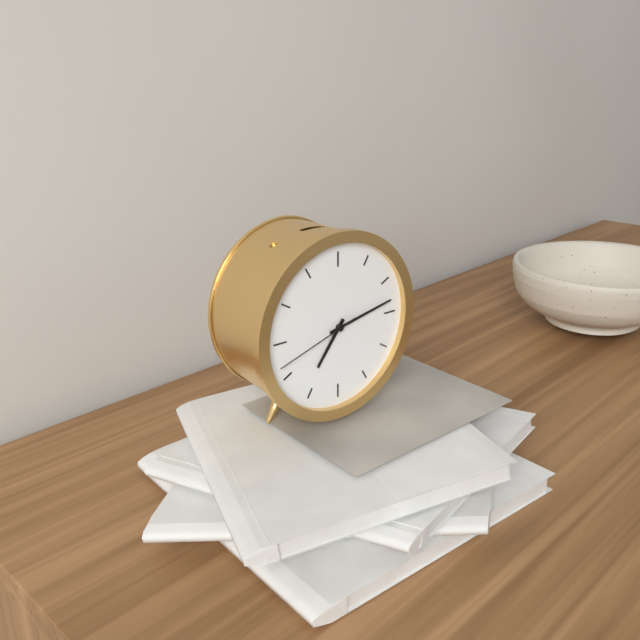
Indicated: 7,13,42
